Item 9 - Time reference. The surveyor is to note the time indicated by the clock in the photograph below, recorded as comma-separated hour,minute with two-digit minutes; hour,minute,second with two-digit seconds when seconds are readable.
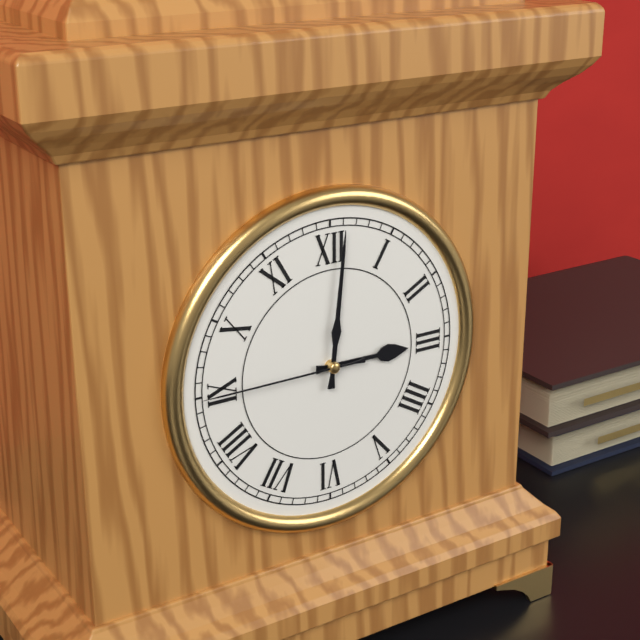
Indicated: 3,01,45
